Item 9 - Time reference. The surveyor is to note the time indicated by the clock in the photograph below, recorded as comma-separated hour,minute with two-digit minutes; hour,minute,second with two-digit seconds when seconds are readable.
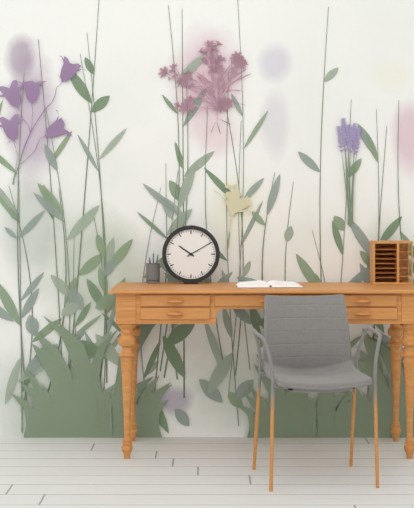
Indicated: 10,10
